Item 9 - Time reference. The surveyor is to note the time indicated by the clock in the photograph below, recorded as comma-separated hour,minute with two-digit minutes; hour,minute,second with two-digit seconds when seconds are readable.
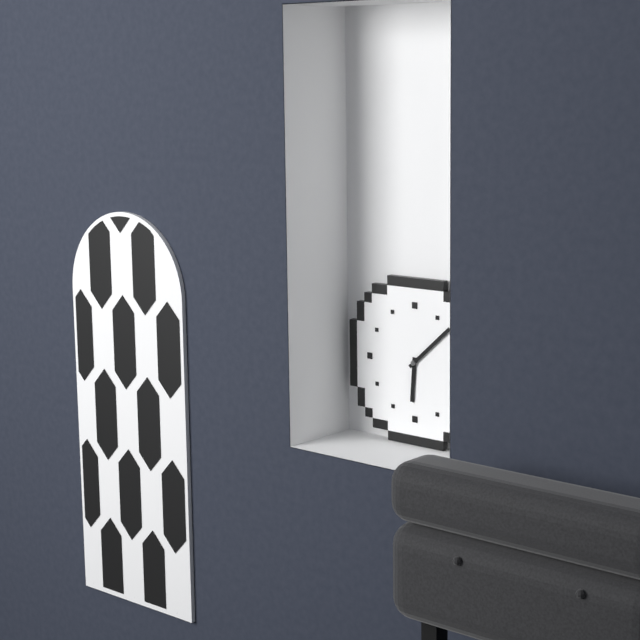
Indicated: 6,08
